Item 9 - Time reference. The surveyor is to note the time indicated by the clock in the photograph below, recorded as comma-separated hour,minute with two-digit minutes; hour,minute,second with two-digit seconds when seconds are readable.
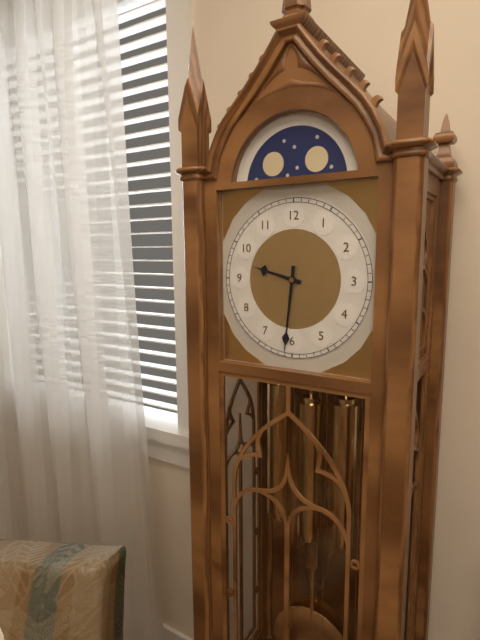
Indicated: 9,31
